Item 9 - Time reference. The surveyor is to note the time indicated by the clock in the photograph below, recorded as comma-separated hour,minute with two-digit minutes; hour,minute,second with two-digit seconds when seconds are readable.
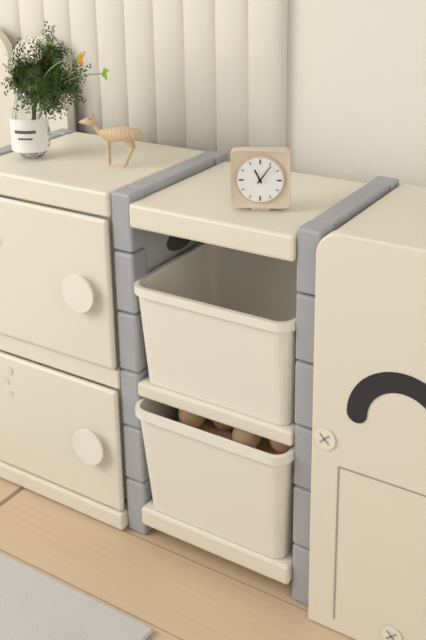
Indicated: 11,06
